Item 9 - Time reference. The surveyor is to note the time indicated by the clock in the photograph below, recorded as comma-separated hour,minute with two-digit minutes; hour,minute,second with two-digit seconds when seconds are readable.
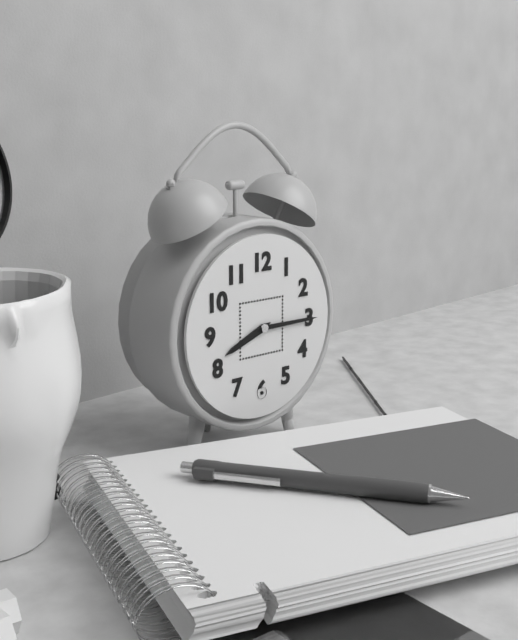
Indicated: 8,15
